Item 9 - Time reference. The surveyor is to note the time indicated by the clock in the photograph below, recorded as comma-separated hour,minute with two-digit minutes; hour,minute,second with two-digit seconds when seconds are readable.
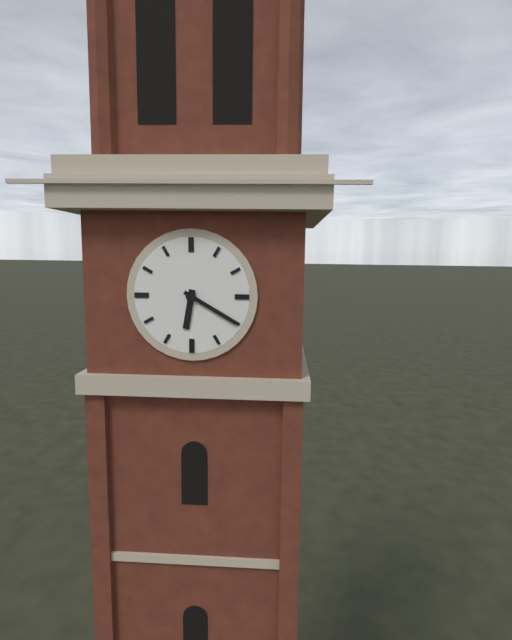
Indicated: 6,20
